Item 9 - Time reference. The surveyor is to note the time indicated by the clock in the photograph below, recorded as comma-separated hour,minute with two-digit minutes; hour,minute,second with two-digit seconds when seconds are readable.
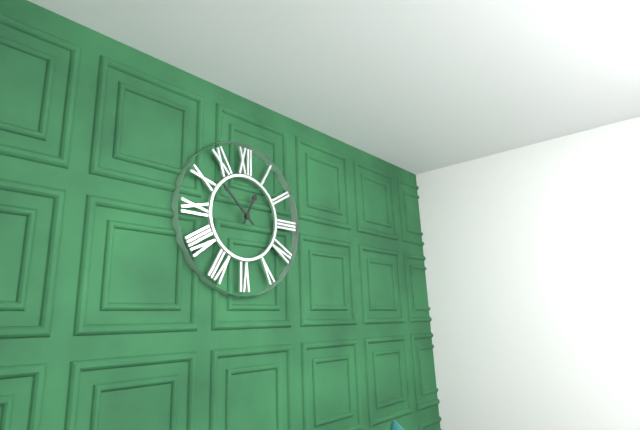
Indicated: 12,52
